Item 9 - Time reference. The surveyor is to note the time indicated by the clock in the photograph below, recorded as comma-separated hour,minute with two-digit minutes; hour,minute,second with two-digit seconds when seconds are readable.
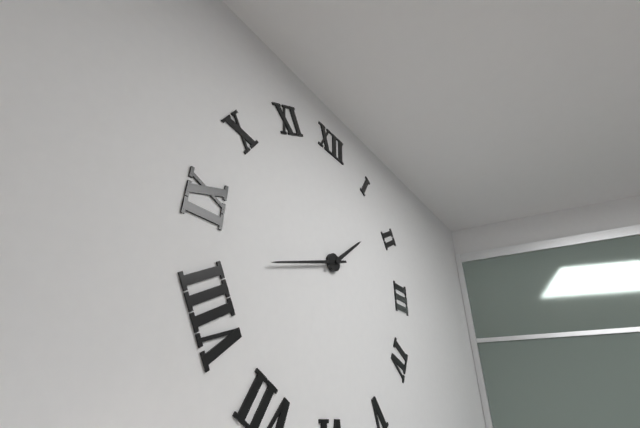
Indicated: 1,42
